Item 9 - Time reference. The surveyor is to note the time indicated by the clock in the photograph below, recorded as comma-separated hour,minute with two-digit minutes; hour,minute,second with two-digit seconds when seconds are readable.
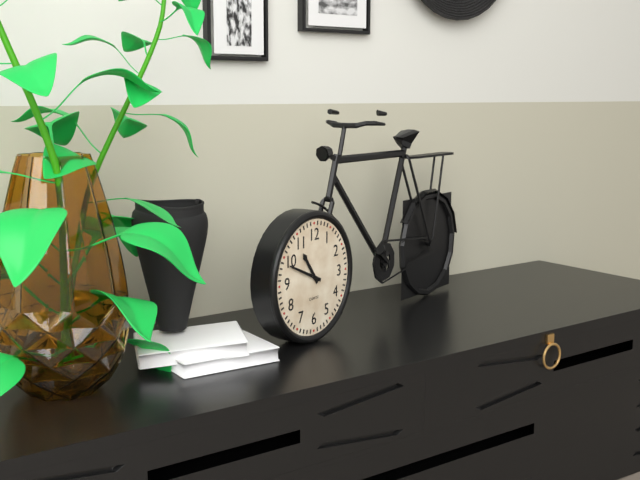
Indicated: 10,49
